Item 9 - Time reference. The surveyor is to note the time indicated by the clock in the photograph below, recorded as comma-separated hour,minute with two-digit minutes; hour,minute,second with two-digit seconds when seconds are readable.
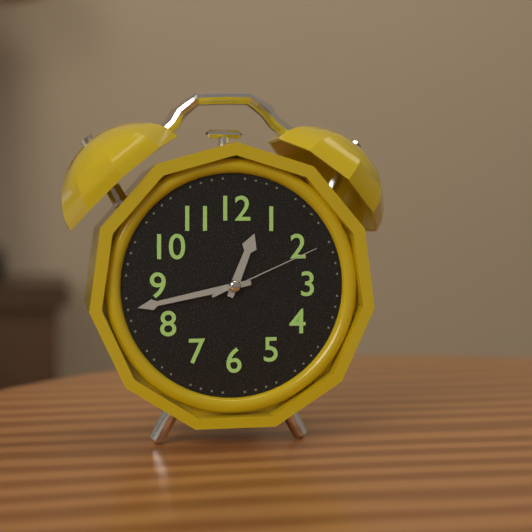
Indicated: 12,43,11
